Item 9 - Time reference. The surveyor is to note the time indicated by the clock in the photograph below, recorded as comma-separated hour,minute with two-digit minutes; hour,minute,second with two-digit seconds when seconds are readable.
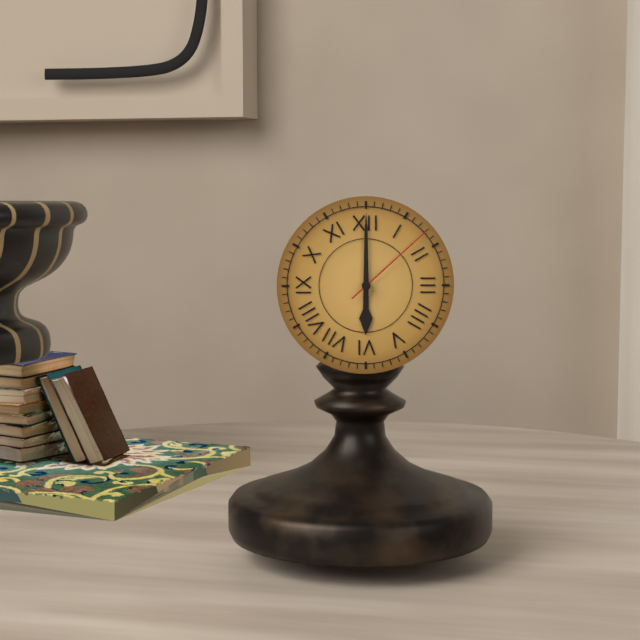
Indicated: 6,00,08
